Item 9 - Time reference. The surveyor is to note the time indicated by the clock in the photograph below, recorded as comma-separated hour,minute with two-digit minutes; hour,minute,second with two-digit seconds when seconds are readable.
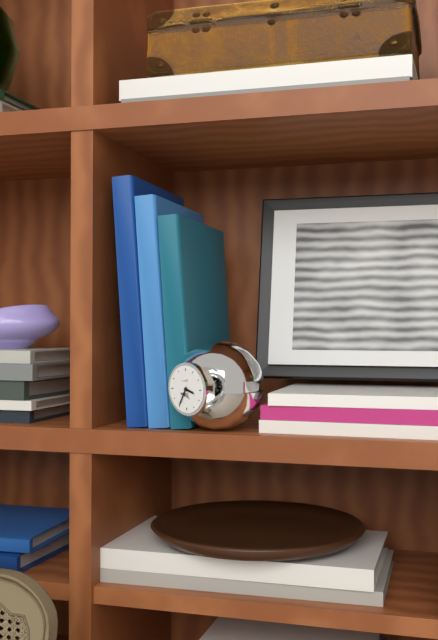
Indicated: 3,35
